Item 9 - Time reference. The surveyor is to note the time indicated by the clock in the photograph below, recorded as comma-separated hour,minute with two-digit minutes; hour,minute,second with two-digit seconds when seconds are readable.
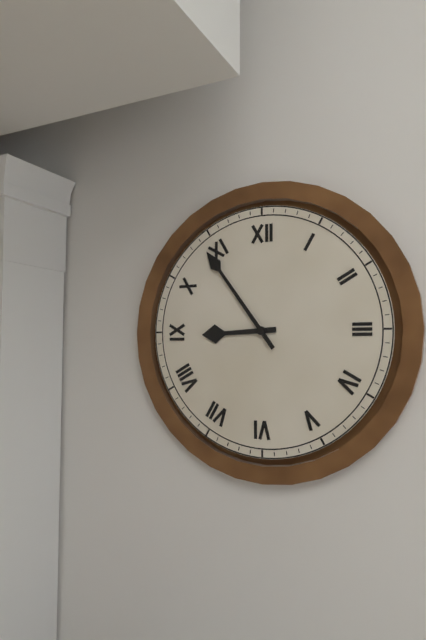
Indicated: 8,54
